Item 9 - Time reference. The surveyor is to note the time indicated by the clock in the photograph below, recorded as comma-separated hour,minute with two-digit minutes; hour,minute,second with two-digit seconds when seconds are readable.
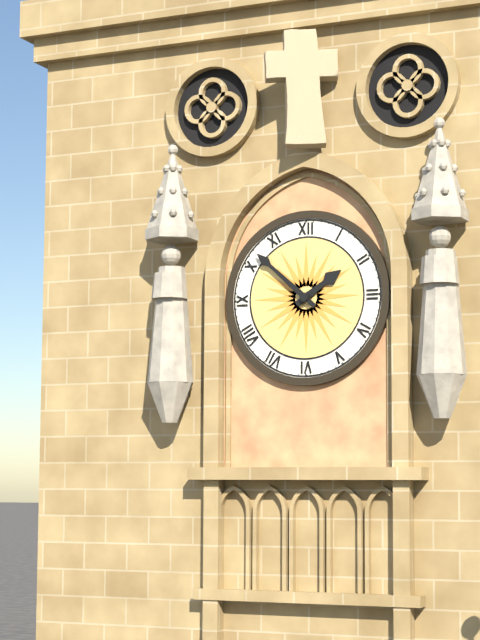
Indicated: 1,52
